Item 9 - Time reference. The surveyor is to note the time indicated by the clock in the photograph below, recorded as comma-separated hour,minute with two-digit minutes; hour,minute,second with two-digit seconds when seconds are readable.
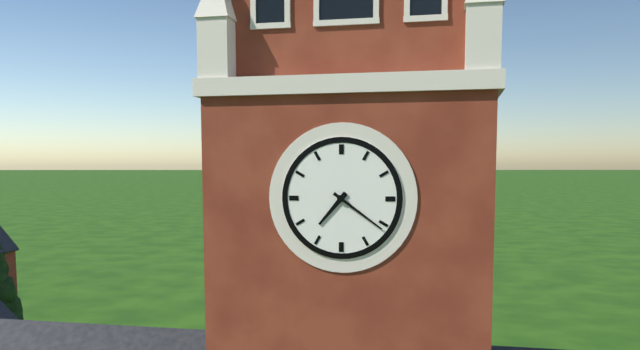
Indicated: 7,21
